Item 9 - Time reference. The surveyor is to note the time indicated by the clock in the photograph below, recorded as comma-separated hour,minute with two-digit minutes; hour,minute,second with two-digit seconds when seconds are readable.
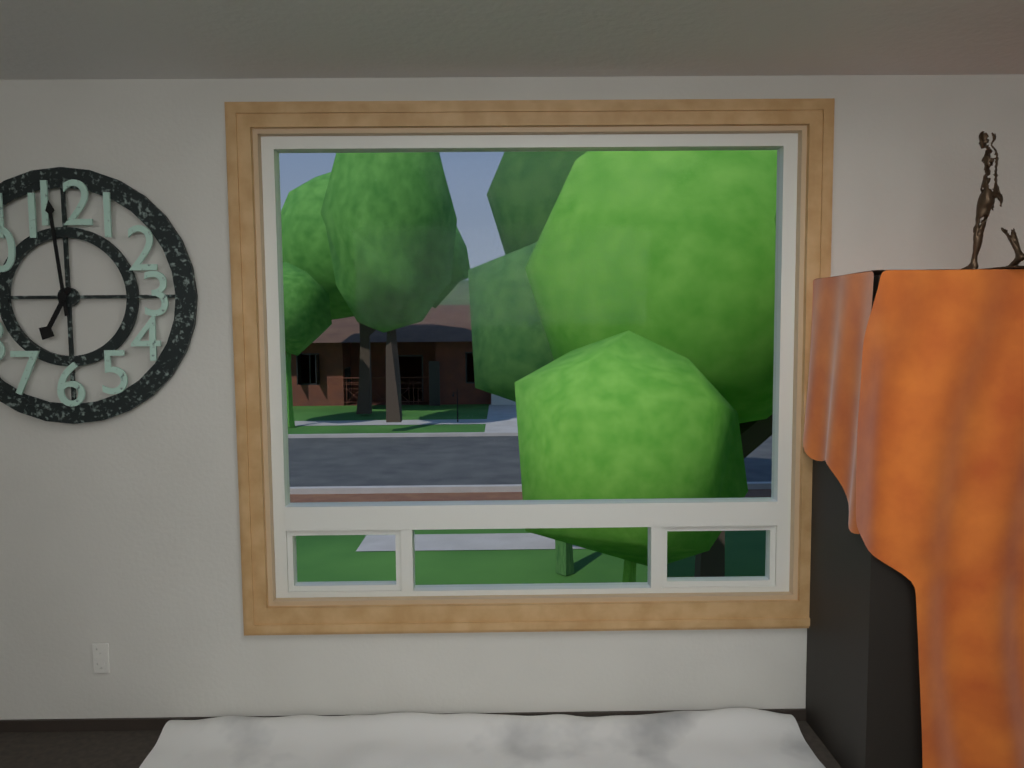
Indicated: 6,59
